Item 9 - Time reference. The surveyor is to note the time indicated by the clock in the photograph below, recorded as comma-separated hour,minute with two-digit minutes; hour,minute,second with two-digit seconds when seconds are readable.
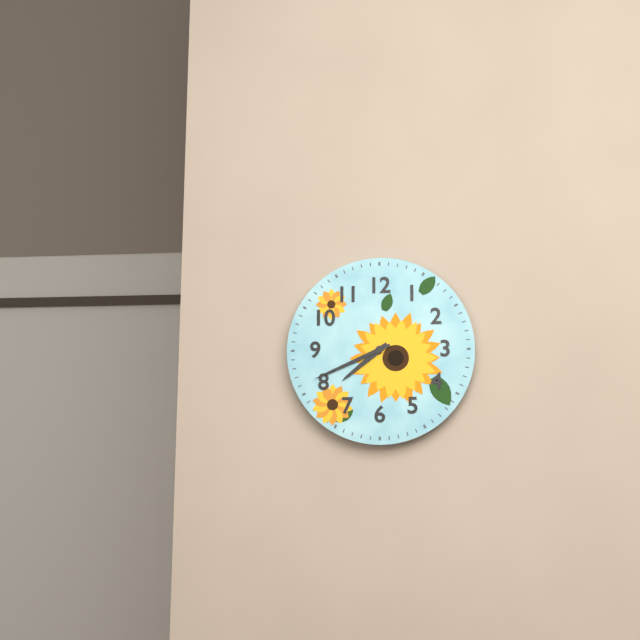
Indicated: 7,41
